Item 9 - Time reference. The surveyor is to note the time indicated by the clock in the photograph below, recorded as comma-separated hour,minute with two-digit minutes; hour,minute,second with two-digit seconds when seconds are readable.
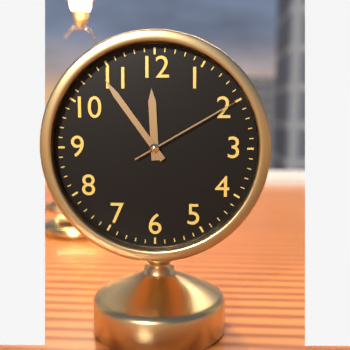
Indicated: 11,54,10
